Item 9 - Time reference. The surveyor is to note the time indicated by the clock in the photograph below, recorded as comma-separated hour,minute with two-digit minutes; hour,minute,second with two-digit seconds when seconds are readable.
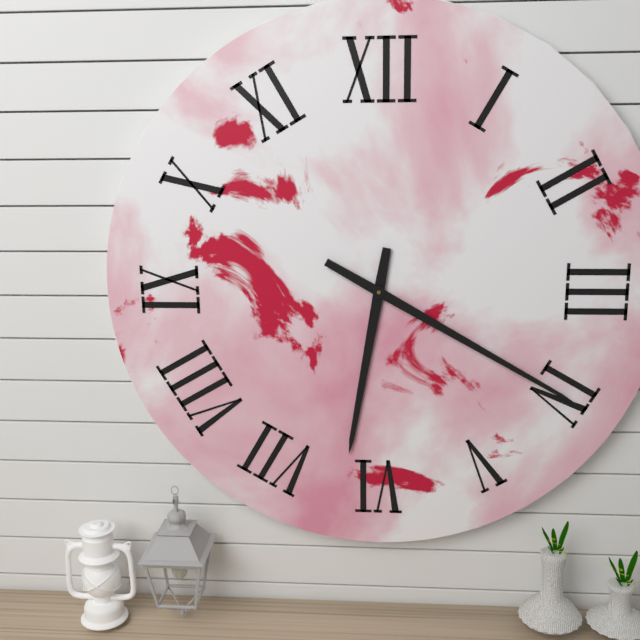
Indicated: 6,20
